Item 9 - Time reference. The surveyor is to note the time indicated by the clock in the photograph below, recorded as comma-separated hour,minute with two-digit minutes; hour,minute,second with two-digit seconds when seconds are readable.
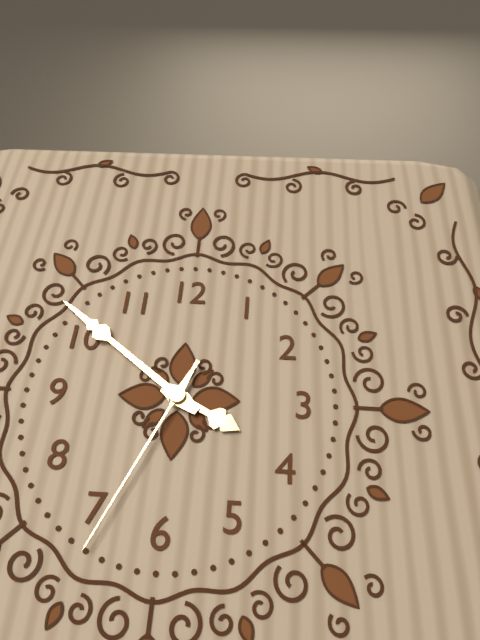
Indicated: 3,51,34
